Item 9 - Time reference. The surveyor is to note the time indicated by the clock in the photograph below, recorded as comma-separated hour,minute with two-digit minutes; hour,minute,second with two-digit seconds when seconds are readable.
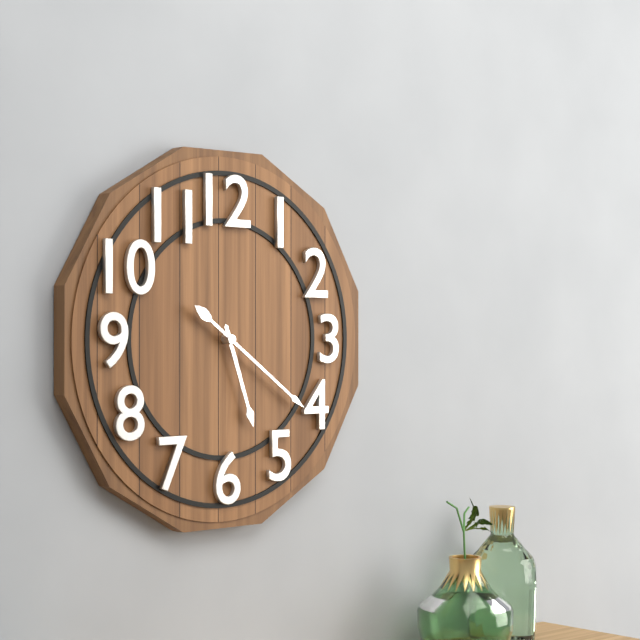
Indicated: 5,21
